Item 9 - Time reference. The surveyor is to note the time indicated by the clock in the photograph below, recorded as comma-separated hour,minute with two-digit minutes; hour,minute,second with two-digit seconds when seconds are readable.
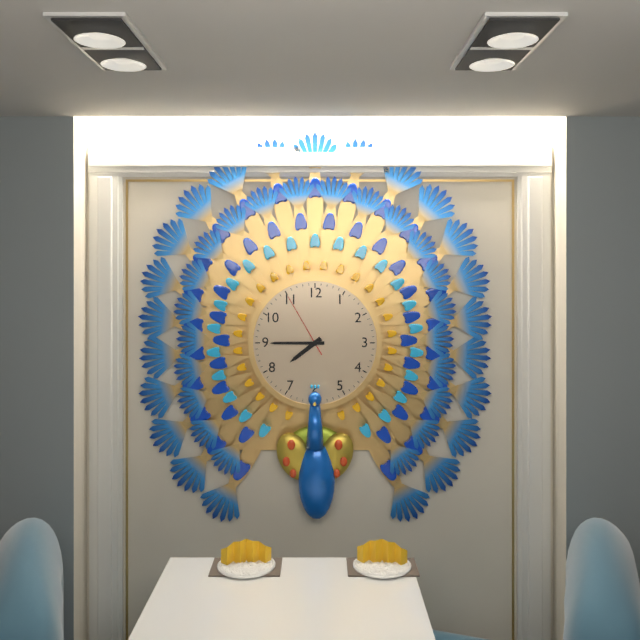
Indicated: 7,45,55
